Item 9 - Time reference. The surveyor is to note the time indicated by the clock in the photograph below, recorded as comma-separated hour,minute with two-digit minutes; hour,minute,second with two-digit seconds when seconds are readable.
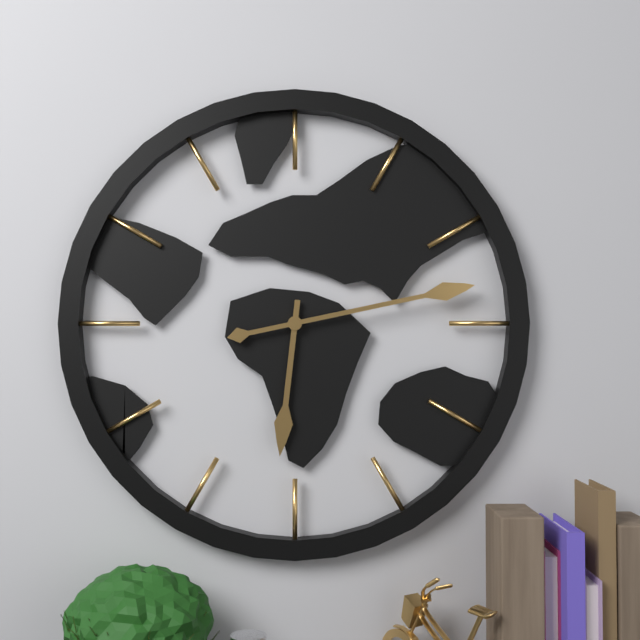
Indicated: 6,13
